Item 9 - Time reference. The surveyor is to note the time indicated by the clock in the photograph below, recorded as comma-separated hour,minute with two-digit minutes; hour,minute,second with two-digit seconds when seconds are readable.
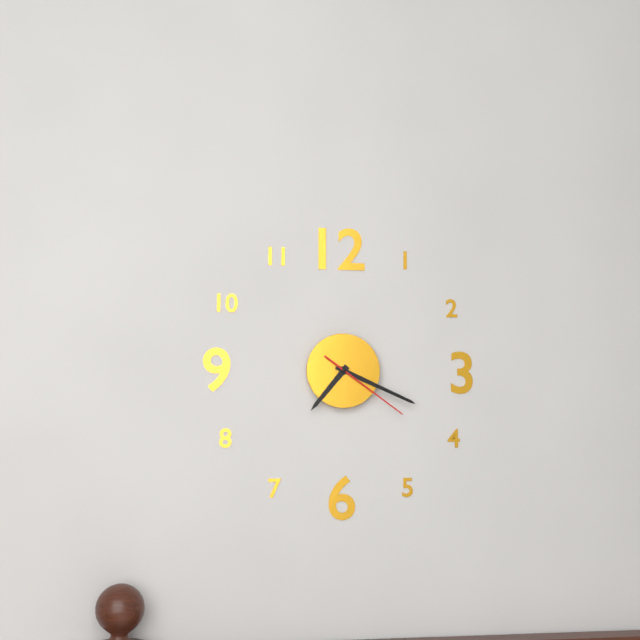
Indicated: 7,19,21
